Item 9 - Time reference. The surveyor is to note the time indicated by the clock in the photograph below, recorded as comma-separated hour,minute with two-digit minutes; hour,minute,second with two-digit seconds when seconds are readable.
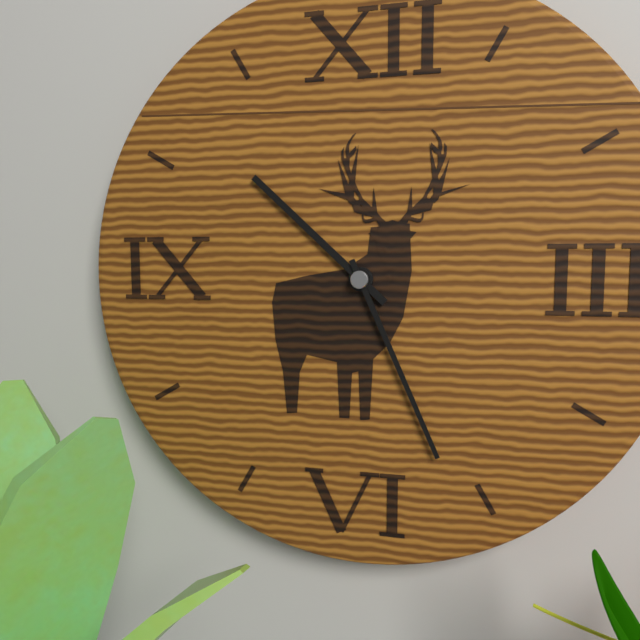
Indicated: 10,26
